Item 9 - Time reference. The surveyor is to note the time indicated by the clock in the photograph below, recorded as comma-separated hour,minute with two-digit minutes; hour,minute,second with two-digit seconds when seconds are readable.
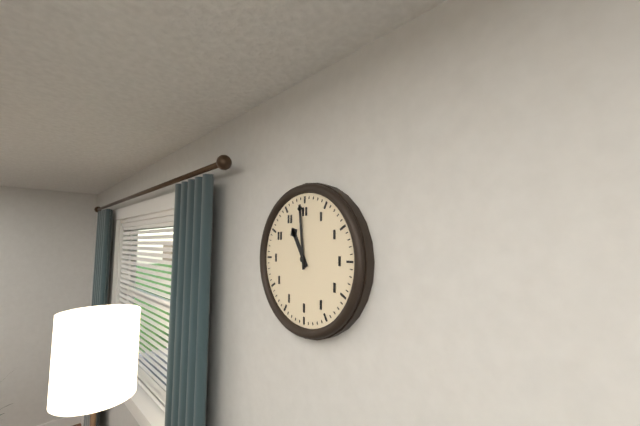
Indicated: 10,59
